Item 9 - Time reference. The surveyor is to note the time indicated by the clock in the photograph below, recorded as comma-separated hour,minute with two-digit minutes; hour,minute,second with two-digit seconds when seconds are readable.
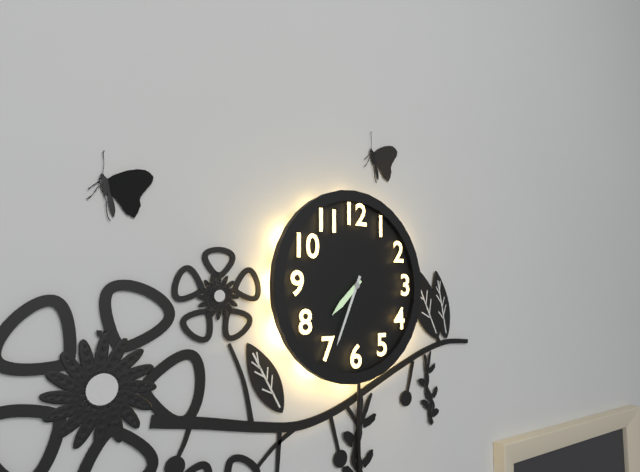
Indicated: 7,34
